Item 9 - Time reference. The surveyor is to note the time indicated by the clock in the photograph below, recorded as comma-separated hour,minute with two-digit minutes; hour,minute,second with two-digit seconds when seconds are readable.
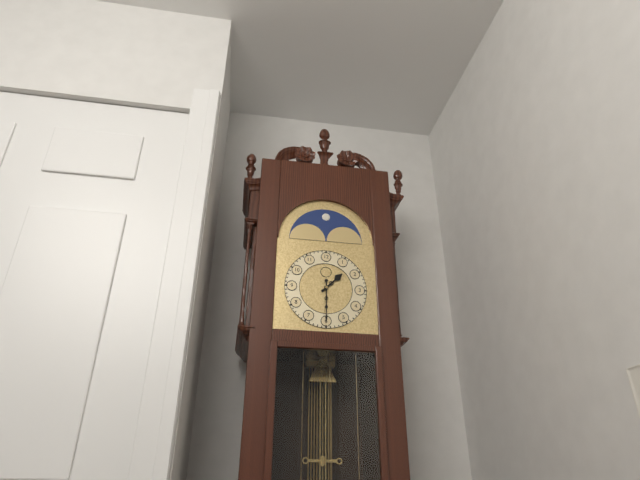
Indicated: 1,30
